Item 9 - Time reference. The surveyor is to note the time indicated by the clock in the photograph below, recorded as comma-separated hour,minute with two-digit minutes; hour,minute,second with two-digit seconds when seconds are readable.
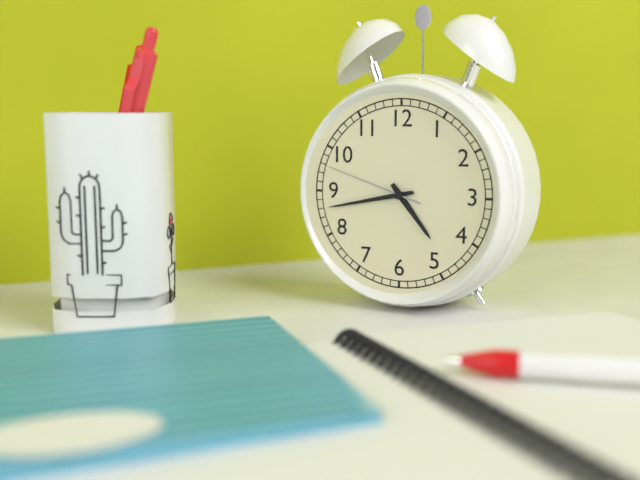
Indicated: 4,43,48
